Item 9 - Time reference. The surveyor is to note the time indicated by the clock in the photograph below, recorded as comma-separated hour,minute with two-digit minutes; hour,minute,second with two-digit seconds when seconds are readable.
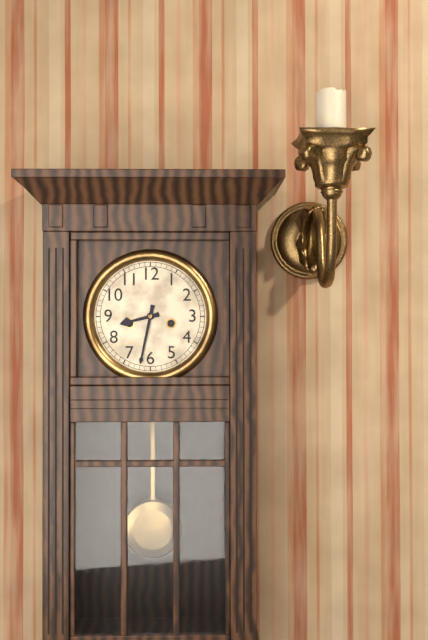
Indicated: 8,32
